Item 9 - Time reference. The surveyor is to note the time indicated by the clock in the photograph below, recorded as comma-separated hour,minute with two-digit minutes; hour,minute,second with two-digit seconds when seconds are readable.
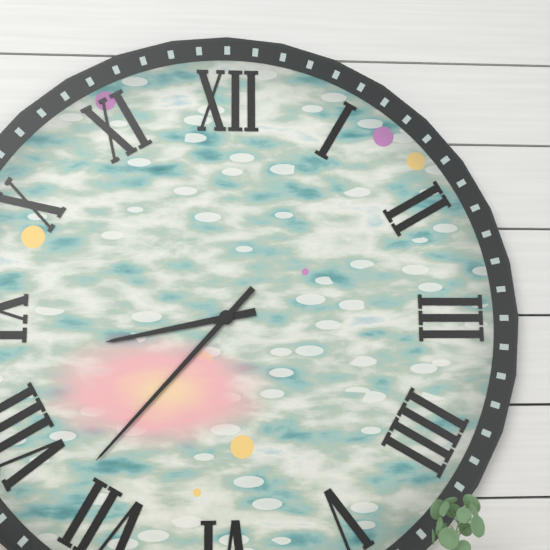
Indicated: 8,37
